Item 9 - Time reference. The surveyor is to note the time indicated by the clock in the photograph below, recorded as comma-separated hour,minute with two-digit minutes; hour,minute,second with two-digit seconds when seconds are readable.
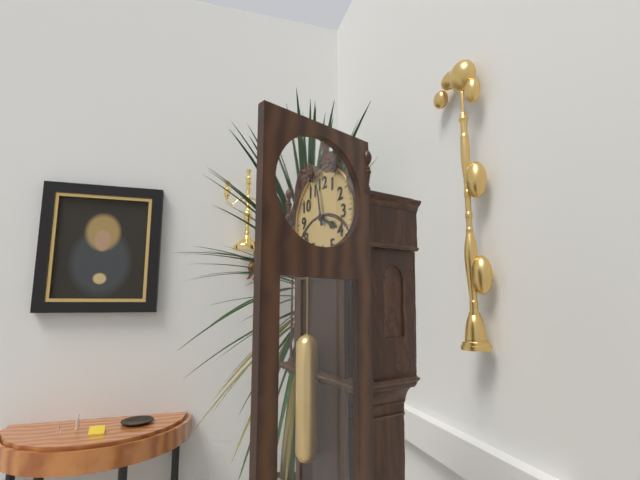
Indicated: 3,58
